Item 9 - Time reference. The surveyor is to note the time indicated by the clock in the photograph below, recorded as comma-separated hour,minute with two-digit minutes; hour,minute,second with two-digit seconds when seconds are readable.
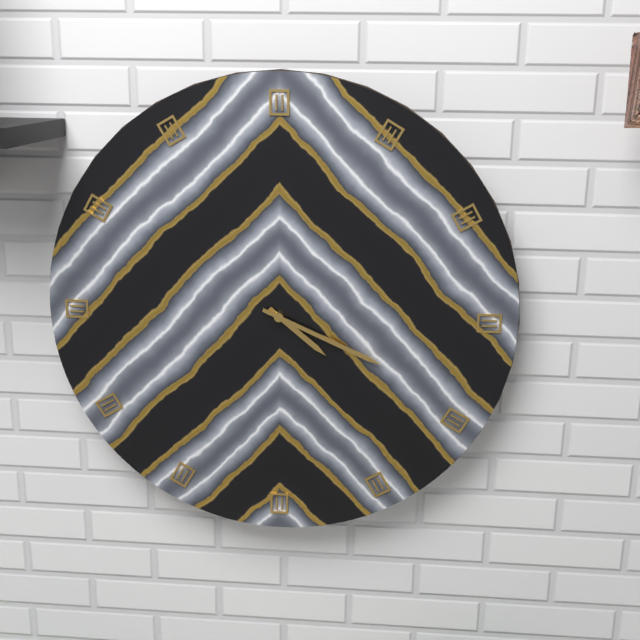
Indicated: 4,19
